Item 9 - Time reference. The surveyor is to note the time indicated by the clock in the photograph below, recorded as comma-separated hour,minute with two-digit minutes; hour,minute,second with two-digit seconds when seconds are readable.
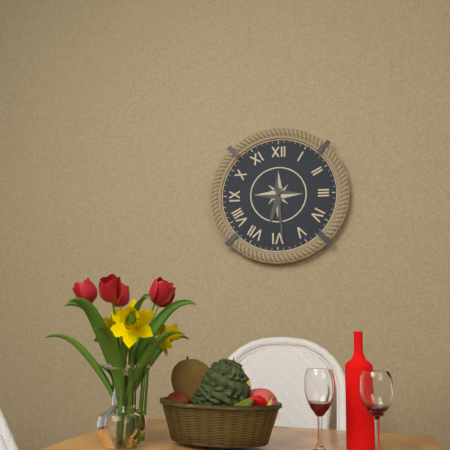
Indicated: 6,29
